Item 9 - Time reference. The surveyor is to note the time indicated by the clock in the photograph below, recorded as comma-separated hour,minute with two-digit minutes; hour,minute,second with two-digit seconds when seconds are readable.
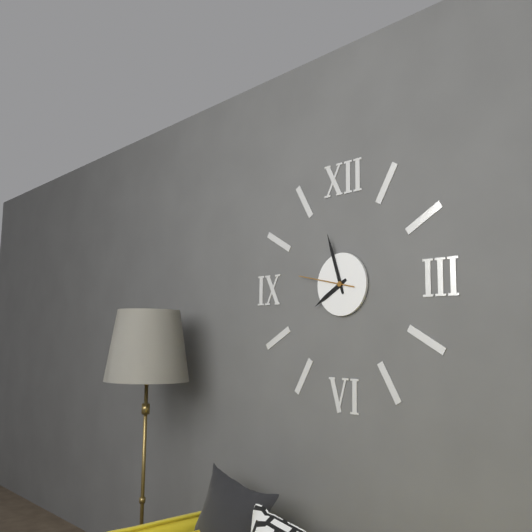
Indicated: 7,57,47
